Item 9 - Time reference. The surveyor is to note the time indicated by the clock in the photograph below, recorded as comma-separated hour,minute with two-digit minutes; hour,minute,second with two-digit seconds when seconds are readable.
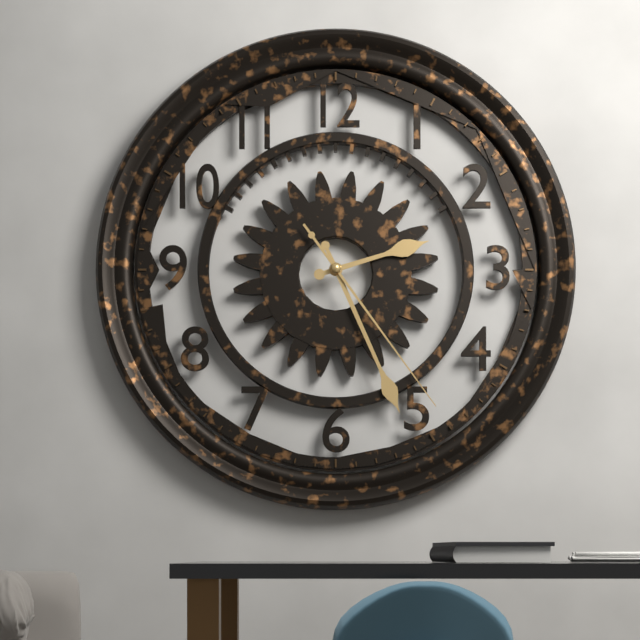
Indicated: 2,26,24
